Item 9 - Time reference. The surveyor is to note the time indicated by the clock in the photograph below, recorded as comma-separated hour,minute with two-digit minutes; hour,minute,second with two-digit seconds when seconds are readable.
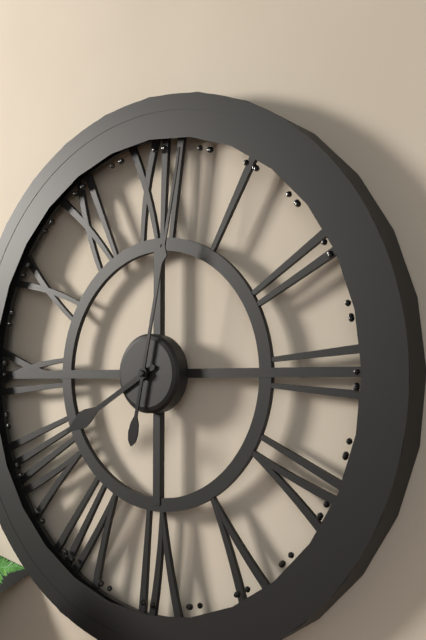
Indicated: 8,02
